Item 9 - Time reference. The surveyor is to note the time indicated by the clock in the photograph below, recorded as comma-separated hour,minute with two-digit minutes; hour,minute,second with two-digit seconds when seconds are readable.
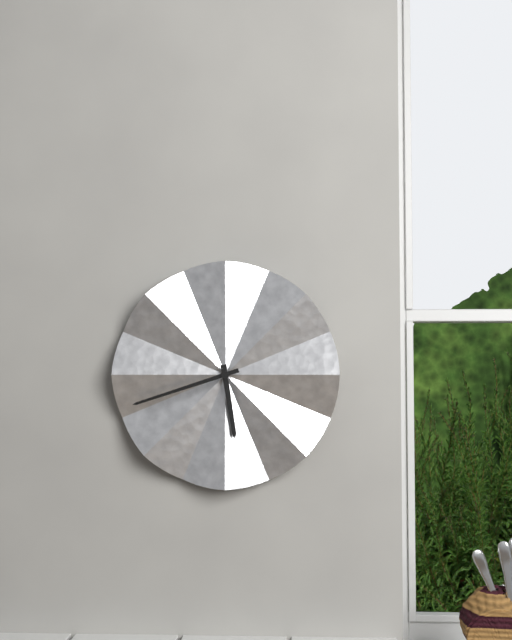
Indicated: 5,42
